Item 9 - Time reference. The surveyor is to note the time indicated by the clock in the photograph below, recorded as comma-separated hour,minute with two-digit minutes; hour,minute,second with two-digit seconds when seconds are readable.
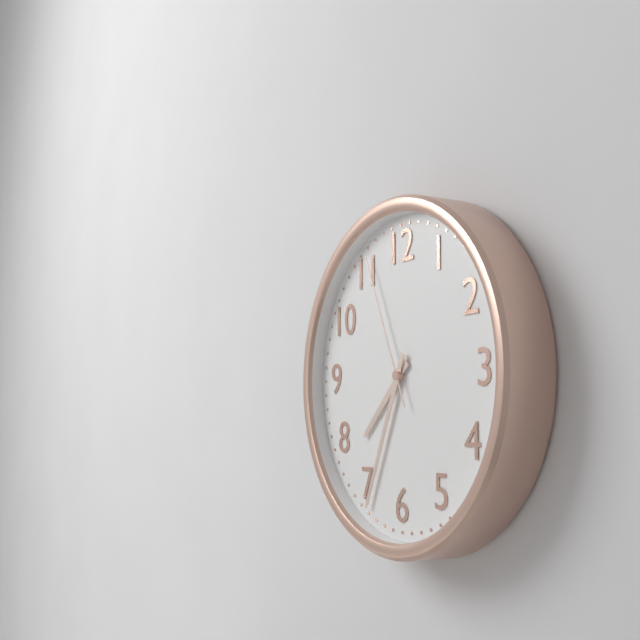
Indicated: 7,34,56
